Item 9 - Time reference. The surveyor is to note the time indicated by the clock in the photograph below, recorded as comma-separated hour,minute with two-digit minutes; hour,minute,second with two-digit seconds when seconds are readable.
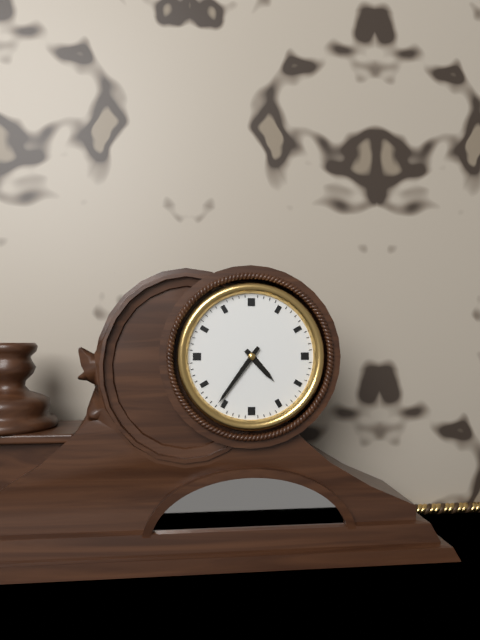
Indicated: 4,36
